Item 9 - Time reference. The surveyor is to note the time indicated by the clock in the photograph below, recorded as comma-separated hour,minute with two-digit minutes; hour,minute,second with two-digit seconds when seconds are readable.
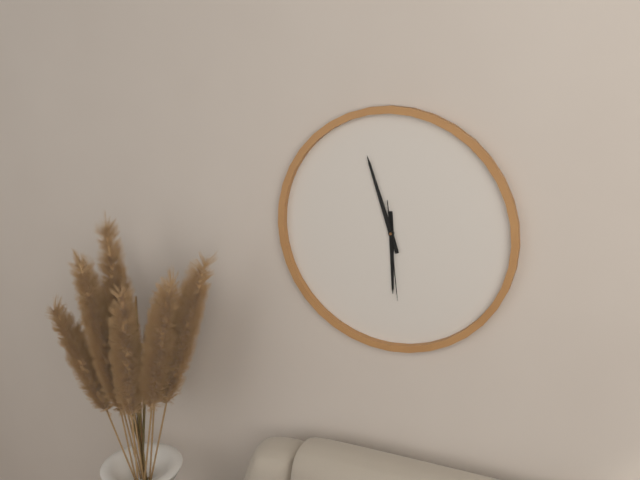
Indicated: 5,57,29
